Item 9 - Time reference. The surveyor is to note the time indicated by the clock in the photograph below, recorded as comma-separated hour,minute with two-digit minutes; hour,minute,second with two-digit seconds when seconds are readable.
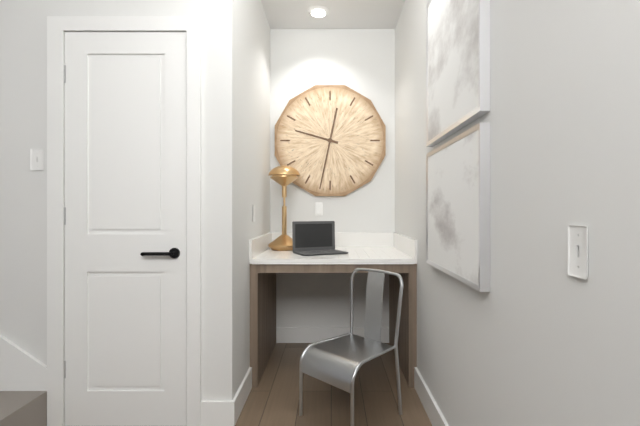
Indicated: 9,32
